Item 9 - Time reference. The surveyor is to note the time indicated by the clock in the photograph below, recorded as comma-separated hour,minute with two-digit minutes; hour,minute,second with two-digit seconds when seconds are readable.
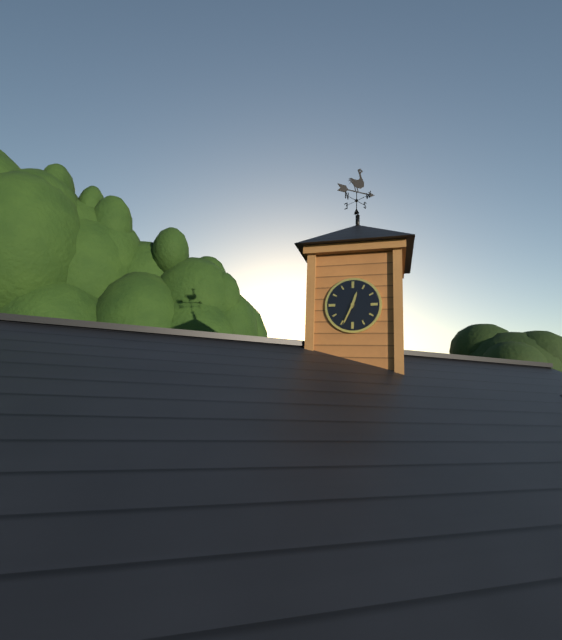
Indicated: 12,34
